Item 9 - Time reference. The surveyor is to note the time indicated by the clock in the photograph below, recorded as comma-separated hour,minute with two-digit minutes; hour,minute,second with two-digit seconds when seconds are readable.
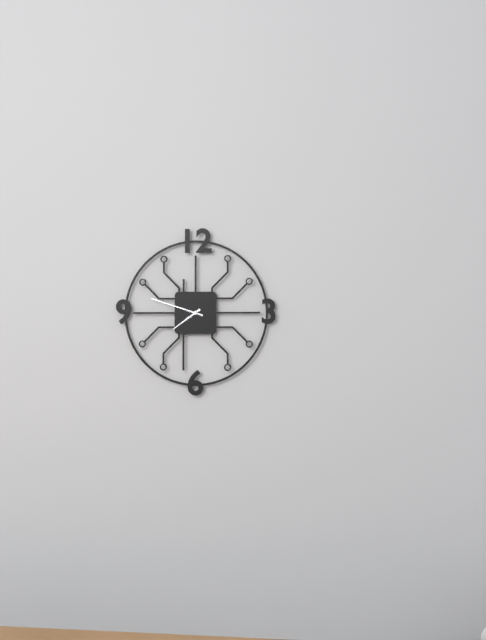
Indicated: 7,48
